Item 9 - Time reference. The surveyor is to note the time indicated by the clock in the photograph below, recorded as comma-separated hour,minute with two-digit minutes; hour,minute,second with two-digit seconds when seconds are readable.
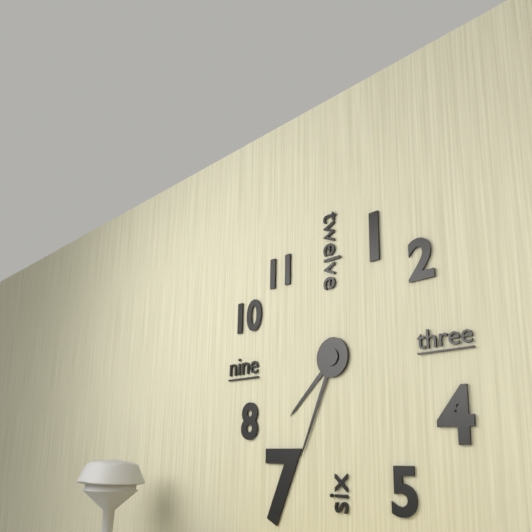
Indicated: 7,34
